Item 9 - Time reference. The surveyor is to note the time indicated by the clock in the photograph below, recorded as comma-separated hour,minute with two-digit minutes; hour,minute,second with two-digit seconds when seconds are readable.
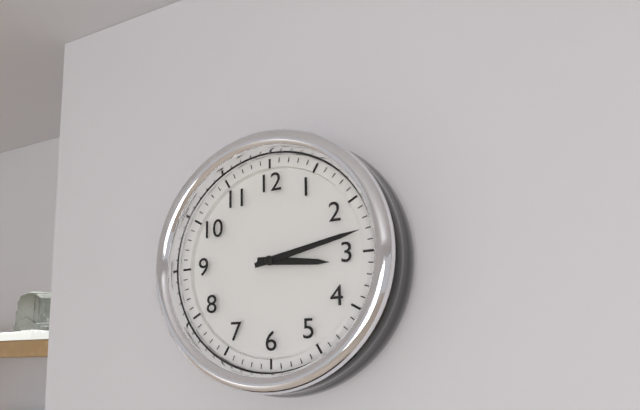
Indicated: 3,13
